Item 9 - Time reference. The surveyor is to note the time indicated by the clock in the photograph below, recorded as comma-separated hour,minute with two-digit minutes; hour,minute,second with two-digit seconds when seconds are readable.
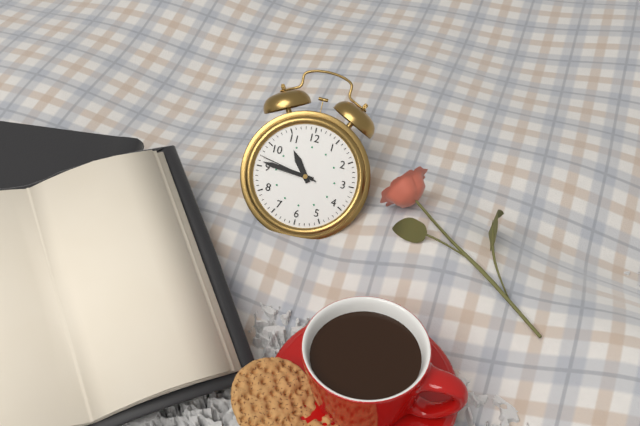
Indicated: 10,46,47
